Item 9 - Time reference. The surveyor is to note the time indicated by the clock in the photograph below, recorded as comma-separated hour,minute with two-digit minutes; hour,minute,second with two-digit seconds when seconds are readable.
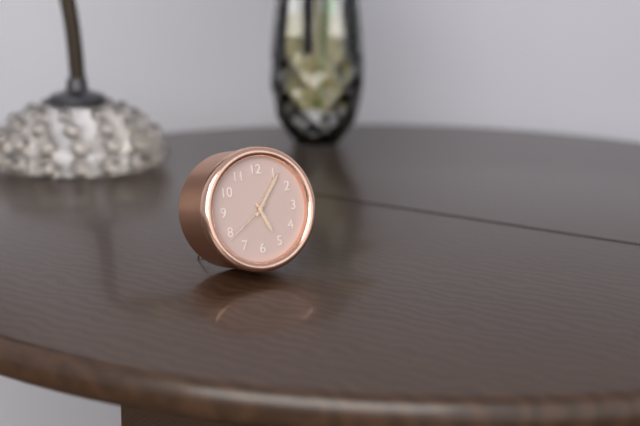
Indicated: 5,06,39
